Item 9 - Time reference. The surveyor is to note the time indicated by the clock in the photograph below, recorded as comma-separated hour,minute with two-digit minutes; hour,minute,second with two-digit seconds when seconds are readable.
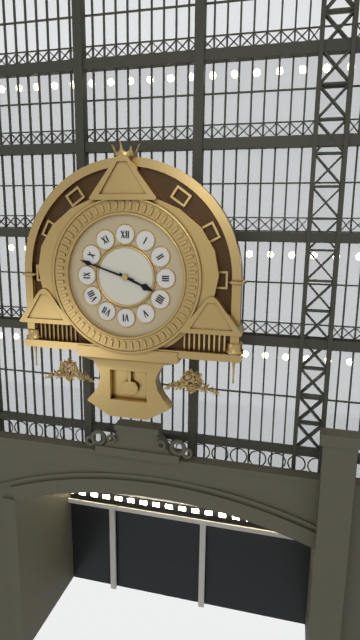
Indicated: 3,48
